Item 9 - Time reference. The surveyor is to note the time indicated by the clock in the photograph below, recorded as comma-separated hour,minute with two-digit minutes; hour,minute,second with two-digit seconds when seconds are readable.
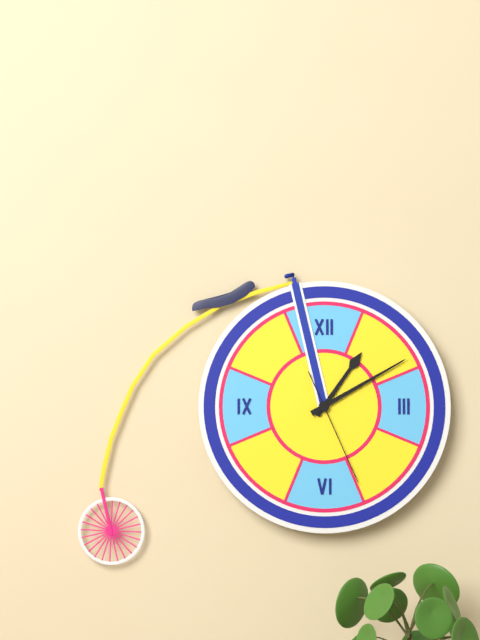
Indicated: 1,10,26
